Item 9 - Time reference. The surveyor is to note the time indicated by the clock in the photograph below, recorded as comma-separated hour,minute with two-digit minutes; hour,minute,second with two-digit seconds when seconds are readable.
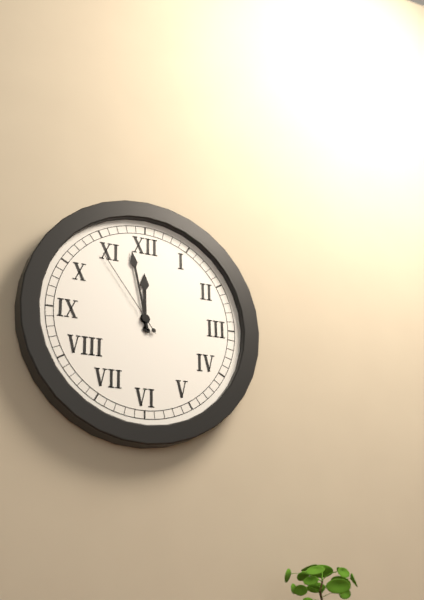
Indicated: 11,58,54
